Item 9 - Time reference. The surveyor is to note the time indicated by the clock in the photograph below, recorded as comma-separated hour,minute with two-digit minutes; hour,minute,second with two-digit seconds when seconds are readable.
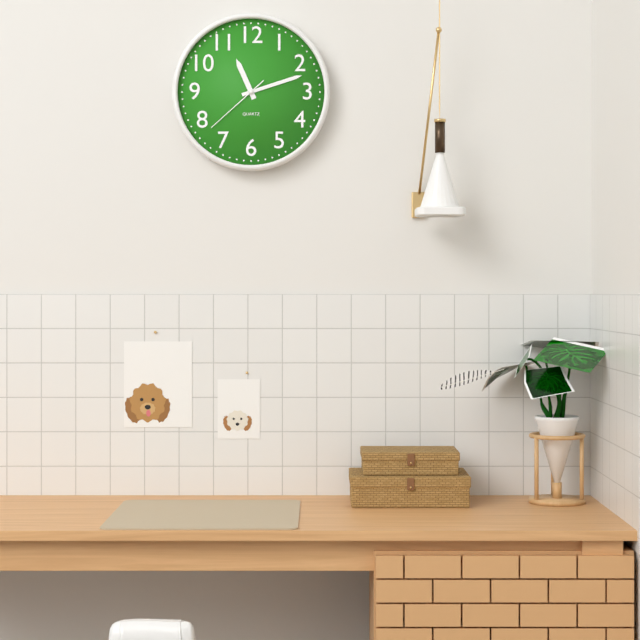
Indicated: 11,12,38
